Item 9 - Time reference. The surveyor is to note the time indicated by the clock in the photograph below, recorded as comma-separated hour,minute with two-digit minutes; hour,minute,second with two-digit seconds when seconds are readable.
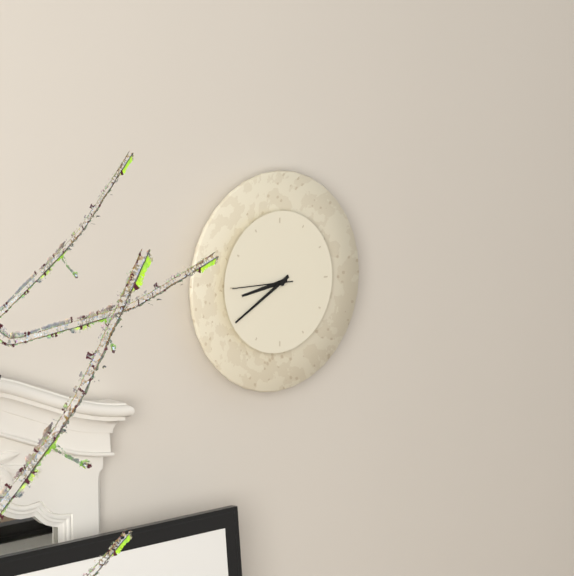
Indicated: 8,40,45
